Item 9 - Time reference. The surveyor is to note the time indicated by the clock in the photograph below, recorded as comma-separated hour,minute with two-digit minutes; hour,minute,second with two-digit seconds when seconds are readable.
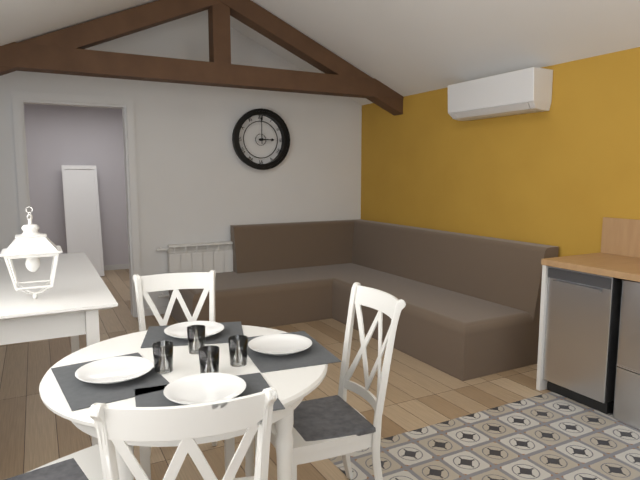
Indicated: 3,00
